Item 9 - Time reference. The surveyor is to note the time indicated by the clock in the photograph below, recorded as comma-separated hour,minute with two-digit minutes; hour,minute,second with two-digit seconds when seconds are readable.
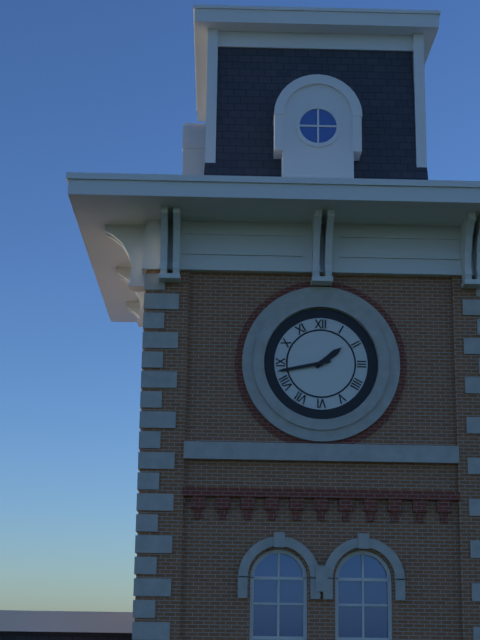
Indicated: 1,43
